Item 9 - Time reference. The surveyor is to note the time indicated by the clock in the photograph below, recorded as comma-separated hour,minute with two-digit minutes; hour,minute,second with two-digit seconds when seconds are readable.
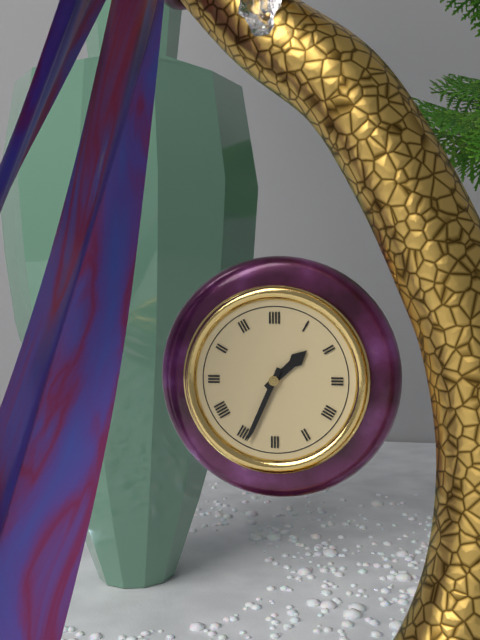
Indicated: 1,34
